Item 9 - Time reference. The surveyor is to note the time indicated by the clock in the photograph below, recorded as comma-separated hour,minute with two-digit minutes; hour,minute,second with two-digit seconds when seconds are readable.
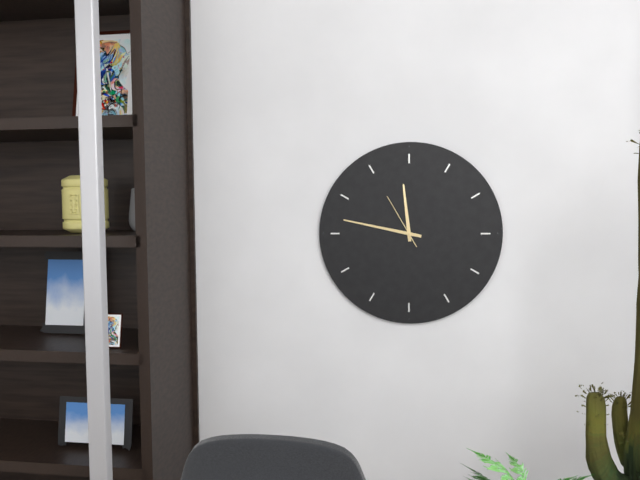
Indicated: 11,47,55
